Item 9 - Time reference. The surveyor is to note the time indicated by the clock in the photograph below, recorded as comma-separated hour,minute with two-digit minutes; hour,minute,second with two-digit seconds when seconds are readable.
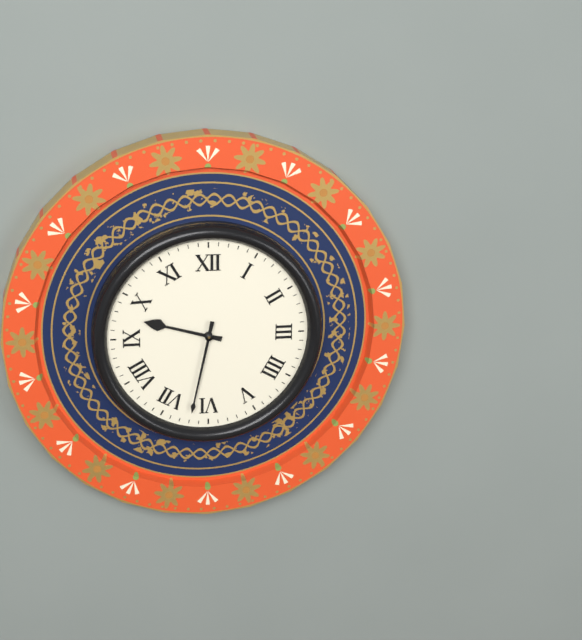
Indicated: 9,32
